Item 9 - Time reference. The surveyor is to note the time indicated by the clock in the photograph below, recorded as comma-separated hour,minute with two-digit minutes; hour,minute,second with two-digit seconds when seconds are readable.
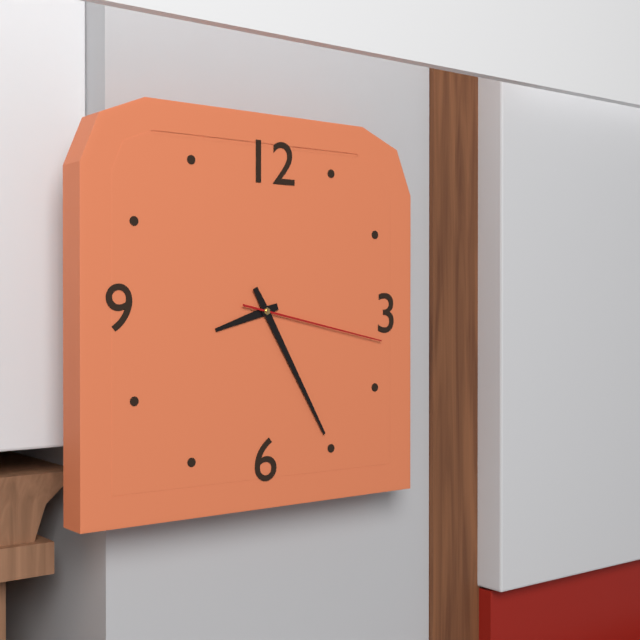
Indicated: 8,25,17
